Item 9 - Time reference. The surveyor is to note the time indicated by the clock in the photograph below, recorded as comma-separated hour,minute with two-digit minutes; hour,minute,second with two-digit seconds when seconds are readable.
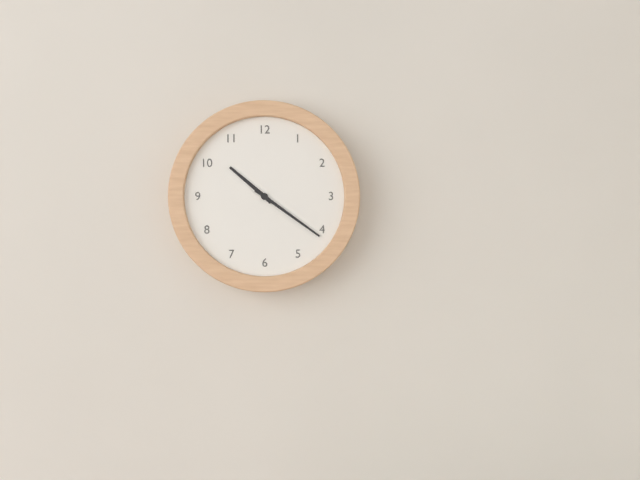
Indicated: 10,21
